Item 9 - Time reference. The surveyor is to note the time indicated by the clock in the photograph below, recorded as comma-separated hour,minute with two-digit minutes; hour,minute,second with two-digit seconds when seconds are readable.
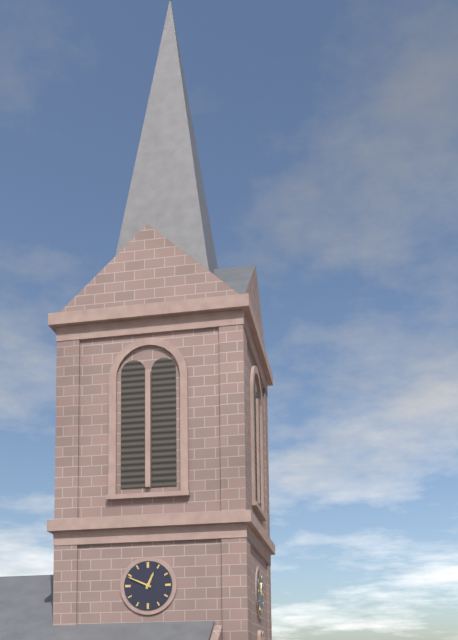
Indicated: 12,49
